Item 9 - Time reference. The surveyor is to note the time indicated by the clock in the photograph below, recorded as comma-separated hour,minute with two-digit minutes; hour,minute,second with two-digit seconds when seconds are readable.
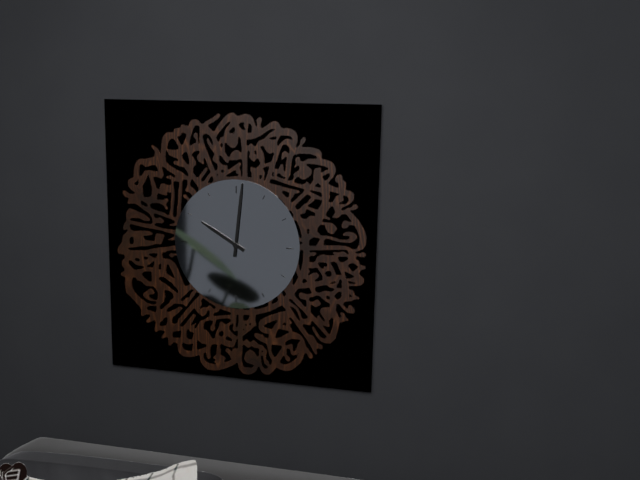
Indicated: 10,01
